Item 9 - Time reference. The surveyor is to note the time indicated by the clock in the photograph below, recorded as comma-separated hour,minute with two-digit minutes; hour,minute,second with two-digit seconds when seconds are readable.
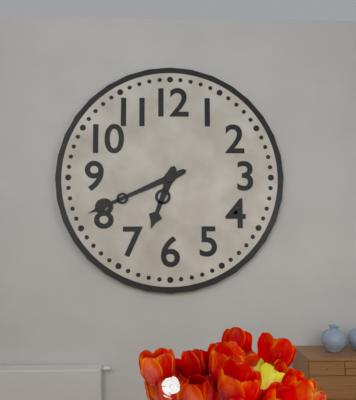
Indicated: 6,41
